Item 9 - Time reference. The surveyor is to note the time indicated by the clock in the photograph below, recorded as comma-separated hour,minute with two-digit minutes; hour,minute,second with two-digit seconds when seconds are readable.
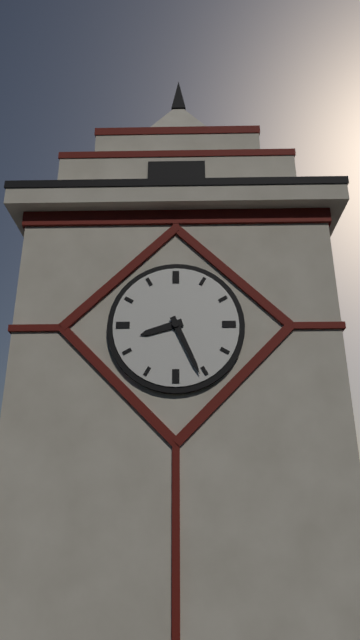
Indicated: 8,26
